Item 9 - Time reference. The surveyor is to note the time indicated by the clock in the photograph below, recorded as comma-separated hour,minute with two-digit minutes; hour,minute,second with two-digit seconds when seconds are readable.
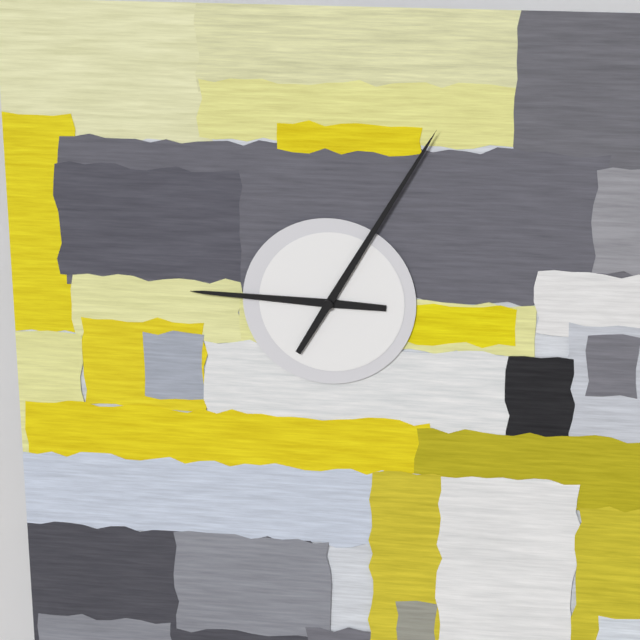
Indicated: 9,05
